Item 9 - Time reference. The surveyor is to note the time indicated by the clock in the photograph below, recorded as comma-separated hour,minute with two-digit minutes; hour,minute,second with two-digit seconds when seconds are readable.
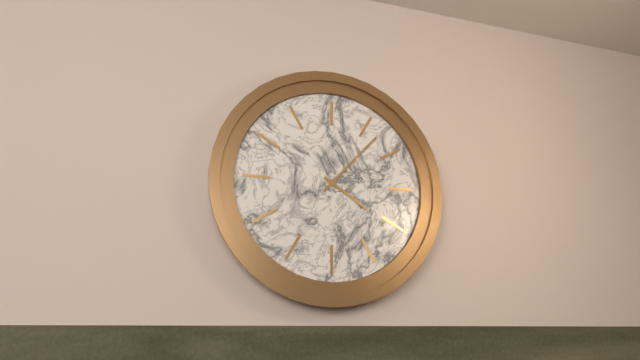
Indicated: 4,07
